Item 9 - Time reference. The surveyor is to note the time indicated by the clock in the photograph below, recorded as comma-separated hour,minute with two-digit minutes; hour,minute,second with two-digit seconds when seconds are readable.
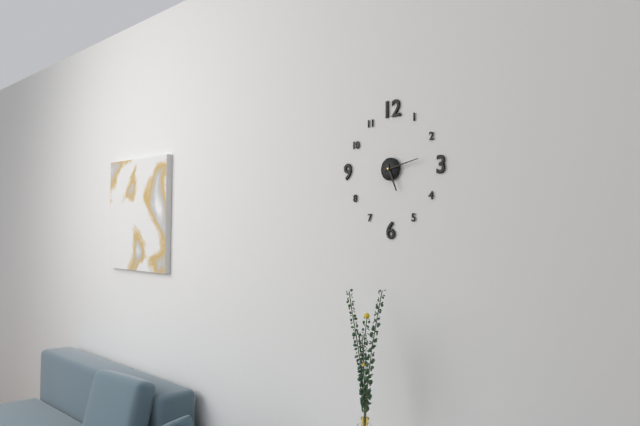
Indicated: 5,13
